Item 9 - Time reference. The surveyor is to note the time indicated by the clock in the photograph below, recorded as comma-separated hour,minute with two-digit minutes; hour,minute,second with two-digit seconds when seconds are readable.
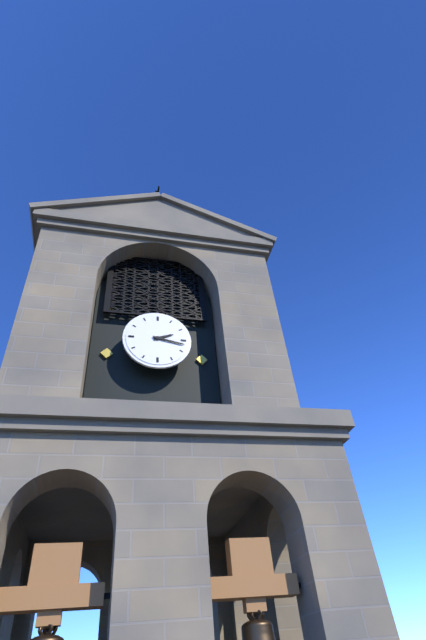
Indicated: 2,17
